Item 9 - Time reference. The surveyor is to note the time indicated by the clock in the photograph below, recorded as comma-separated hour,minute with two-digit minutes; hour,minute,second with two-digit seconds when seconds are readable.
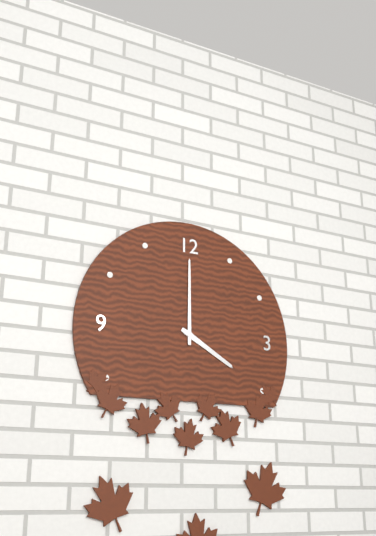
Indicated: 4,00
